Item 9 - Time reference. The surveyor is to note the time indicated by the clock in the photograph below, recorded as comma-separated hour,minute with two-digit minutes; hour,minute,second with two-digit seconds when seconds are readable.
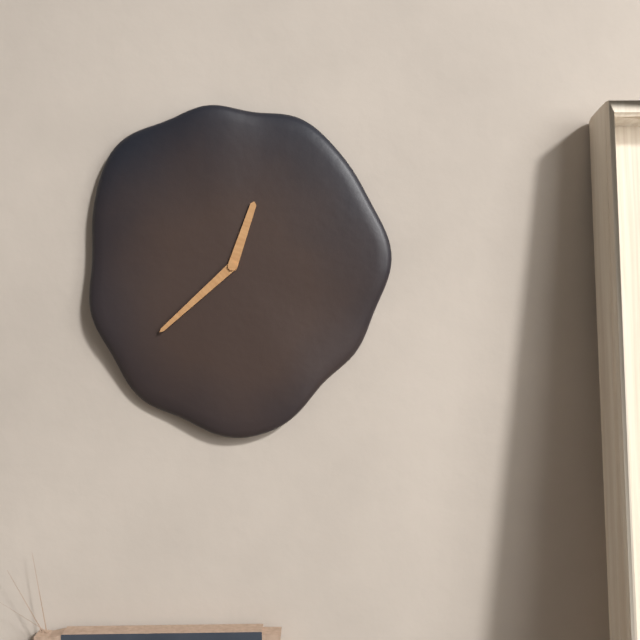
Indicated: 12,38
